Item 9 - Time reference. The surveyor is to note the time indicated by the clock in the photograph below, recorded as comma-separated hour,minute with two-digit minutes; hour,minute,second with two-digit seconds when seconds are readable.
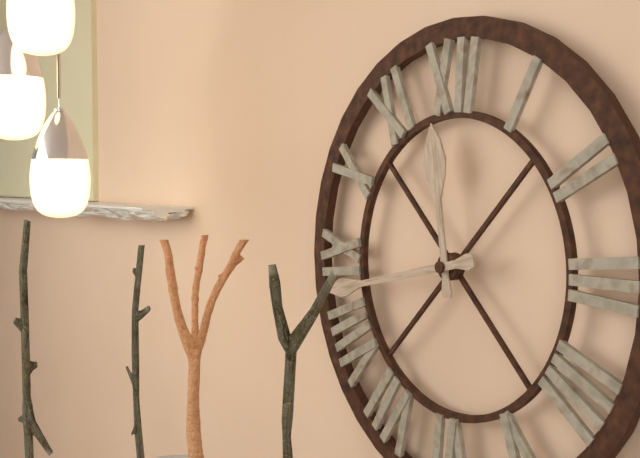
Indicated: 11,43
